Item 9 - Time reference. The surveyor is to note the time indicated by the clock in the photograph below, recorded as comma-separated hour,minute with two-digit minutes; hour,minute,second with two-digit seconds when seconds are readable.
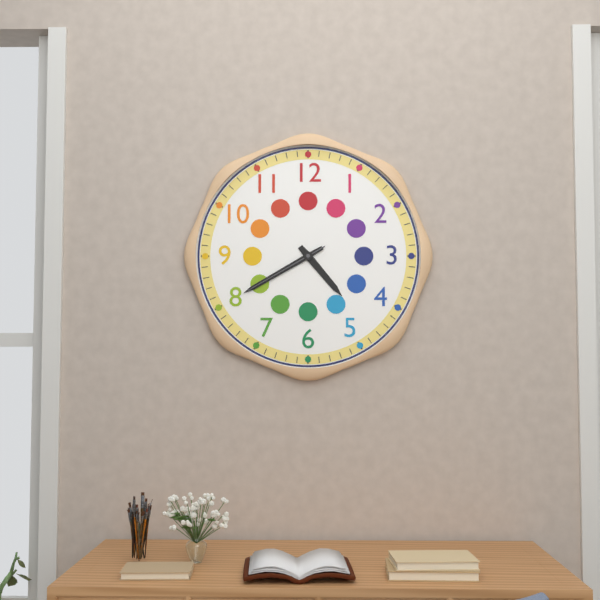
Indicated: 4,40,40
